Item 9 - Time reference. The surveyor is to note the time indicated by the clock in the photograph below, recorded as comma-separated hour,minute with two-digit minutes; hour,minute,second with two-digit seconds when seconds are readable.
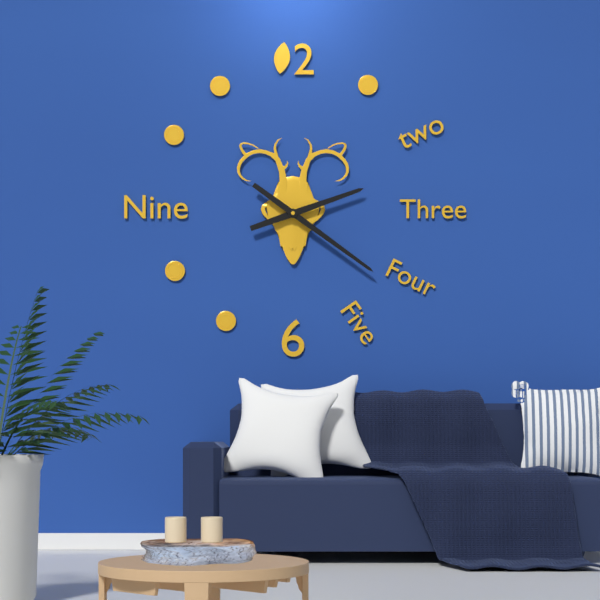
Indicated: 2,21
